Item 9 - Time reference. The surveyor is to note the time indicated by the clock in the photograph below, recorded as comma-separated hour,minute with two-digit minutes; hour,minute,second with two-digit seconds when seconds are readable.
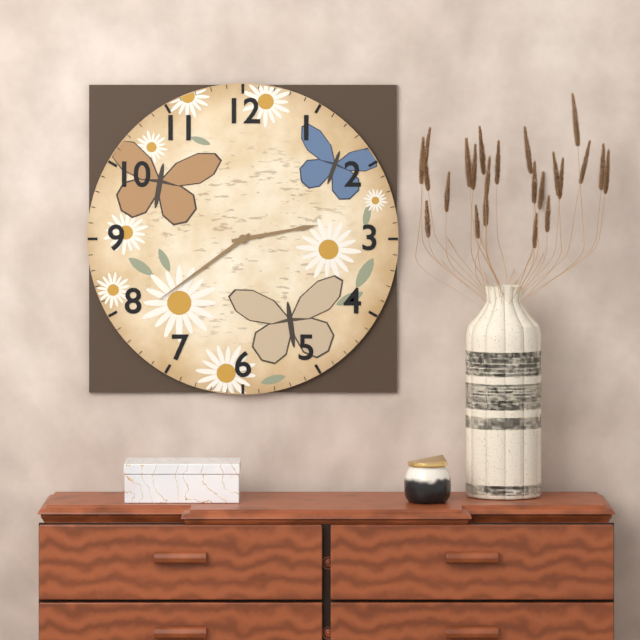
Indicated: 2,39
